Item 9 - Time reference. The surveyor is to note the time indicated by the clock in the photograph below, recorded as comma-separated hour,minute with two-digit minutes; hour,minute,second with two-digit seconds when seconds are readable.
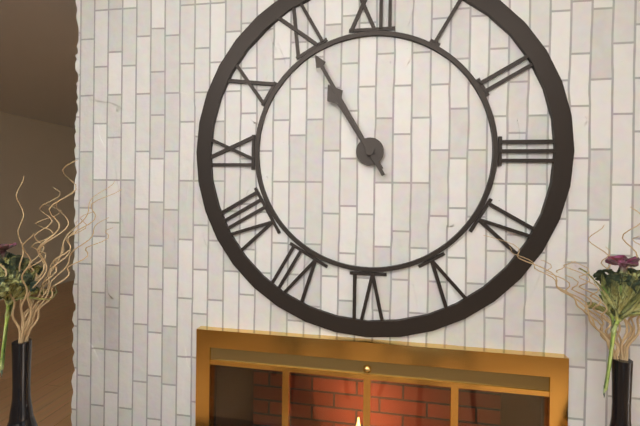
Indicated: 10,55
